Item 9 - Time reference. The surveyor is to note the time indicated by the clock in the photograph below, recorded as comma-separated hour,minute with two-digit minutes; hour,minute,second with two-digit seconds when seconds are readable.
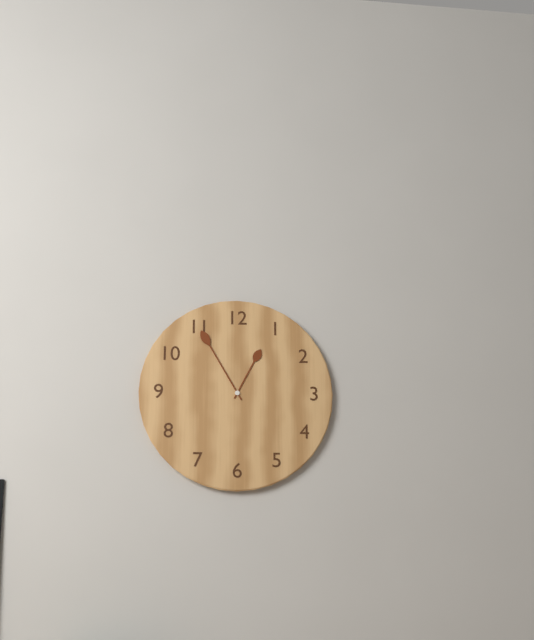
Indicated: 12,55
